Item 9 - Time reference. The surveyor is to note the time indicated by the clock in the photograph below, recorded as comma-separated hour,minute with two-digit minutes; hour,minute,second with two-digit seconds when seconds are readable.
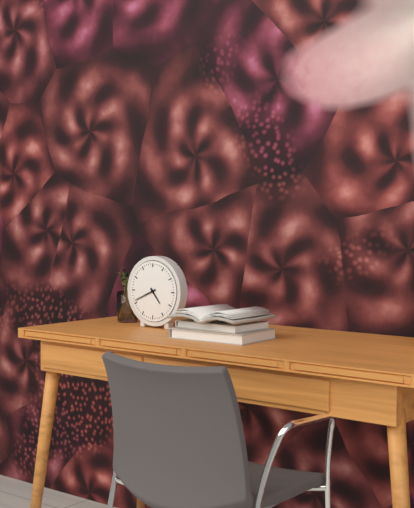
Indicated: 4,41
